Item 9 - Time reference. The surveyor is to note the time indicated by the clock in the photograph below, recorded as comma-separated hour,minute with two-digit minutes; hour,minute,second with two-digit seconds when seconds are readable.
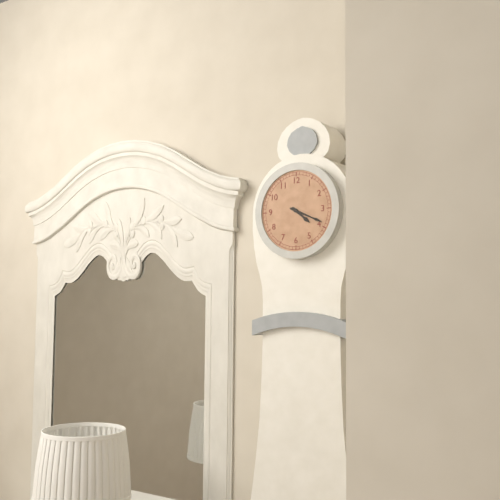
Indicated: 4,19
